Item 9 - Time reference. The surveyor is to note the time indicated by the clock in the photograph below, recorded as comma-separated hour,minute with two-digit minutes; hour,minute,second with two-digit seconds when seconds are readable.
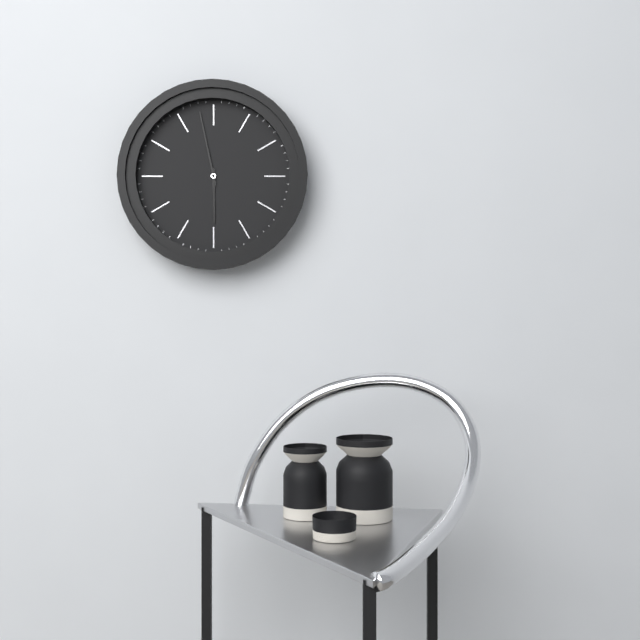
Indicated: 5,58
